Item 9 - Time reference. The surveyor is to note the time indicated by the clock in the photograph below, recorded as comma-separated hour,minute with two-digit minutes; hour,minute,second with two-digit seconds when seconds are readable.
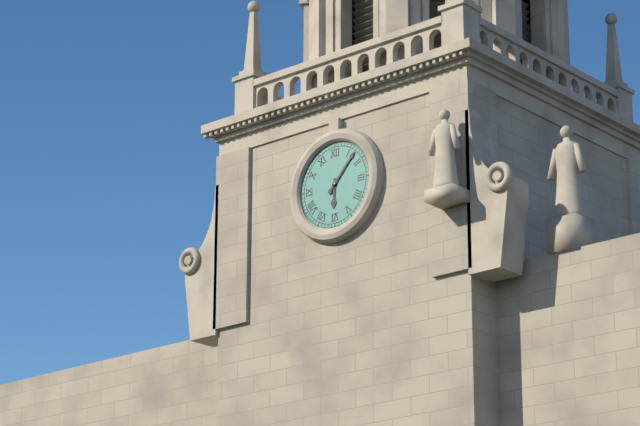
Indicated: 6,07
